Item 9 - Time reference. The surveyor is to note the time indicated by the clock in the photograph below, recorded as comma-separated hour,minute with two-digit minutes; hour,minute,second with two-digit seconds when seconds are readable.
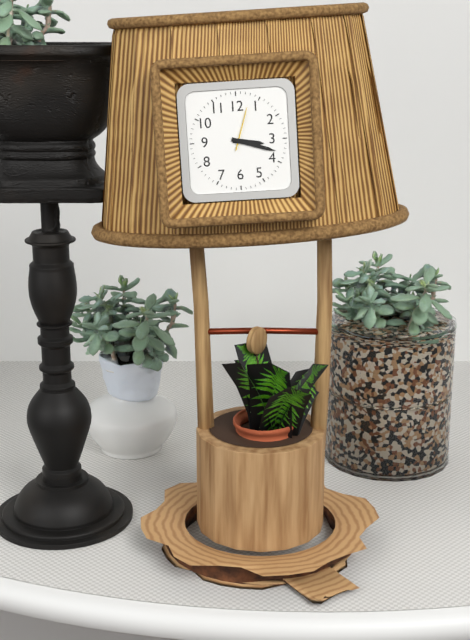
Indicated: 3,18
